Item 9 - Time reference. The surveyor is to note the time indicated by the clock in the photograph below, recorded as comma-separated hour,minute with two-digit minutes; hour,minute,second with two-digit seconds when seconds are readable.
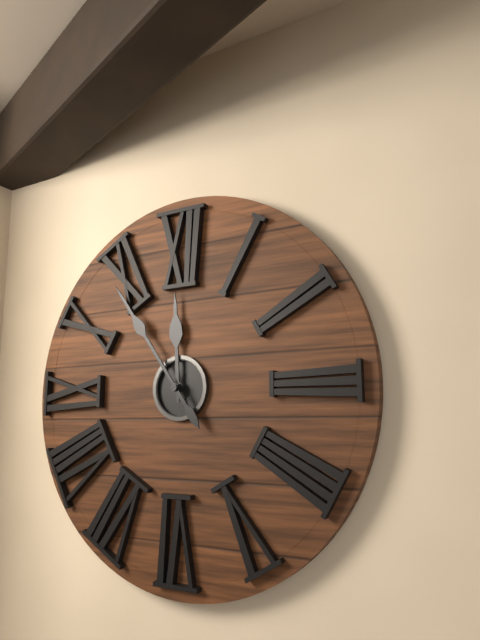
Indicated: 11,54
